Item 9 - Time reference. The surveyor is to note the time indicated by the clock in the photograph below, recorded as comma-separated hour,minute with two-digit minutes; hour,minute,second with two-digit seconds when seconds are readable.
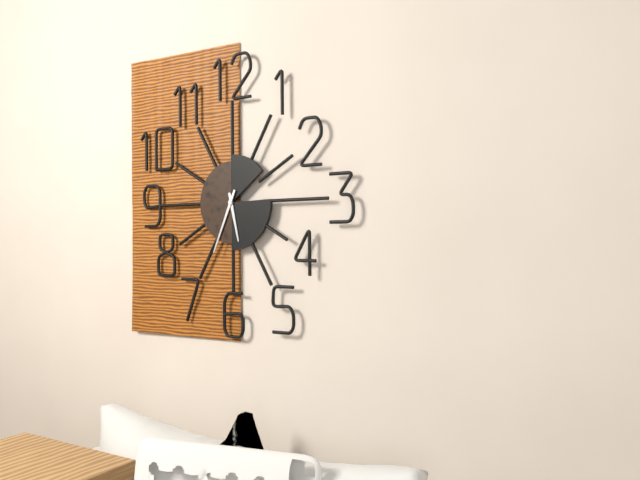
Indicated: 5,34
